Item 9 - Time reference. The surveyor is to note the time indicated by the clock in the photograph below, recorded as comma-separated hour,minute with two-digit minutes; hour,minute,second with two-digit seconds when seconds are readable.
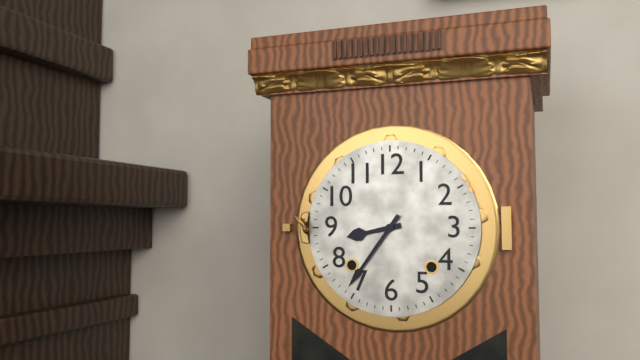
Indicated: 8,36
